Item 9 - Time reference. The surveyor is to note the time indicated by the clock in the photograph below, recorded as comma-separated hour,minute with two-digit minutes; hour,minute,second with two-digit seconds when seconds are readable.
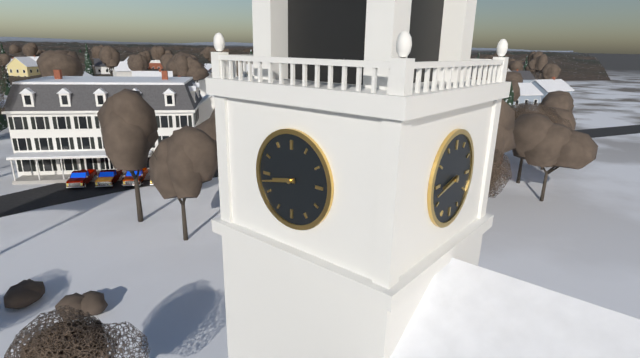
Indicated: 8,43
